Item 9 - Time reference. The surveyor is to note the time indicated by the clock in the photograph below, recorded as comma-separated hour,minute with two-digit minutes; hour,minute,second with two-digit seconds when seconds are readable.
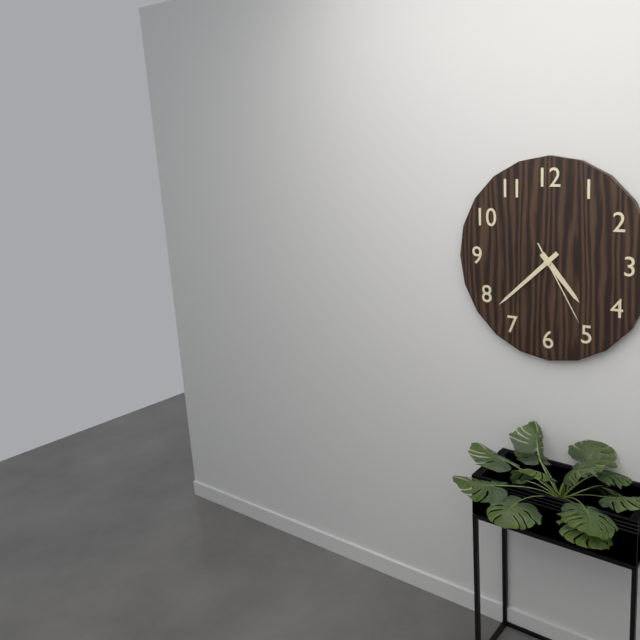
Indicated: 4,38,25
